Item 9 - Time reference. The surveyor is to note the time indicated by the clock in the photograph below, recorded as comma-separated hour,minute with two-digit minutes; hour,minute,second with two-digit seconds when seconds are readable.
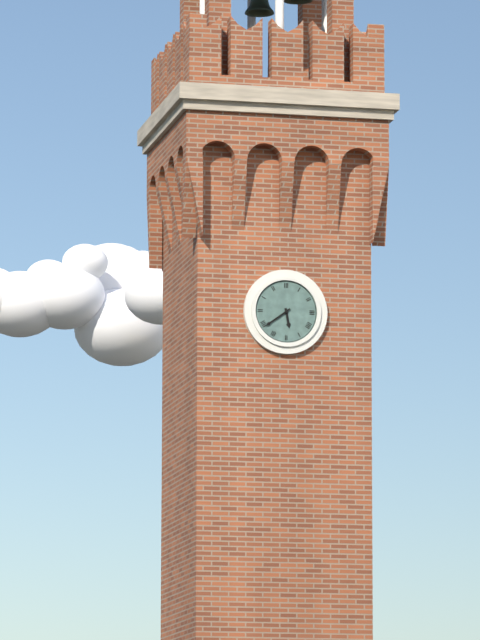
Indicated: 5,39
